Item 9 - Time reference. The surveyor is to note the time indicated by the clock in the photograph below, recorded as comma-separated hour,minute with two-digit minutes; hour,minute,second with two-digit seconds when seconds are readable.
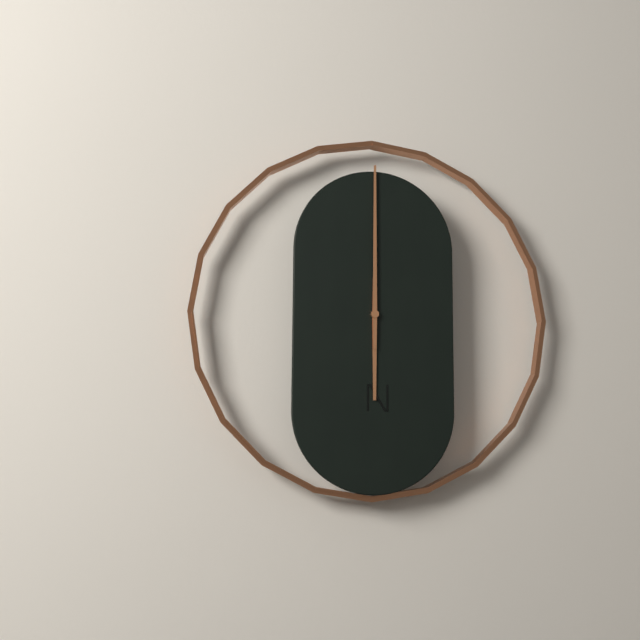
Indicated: 6,00
